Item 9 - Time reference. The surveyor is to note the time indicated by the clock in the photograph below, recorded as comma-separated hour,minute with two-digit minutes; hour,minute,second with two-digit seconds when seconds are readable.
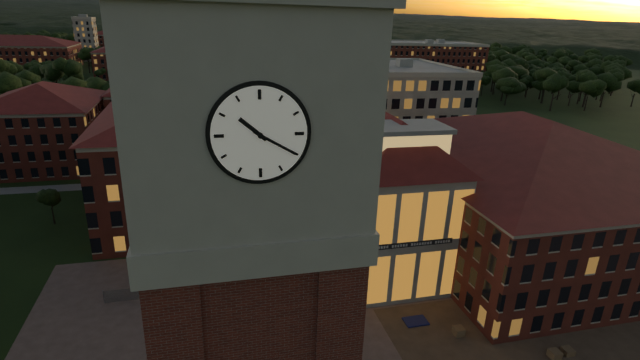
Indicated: 10,20
